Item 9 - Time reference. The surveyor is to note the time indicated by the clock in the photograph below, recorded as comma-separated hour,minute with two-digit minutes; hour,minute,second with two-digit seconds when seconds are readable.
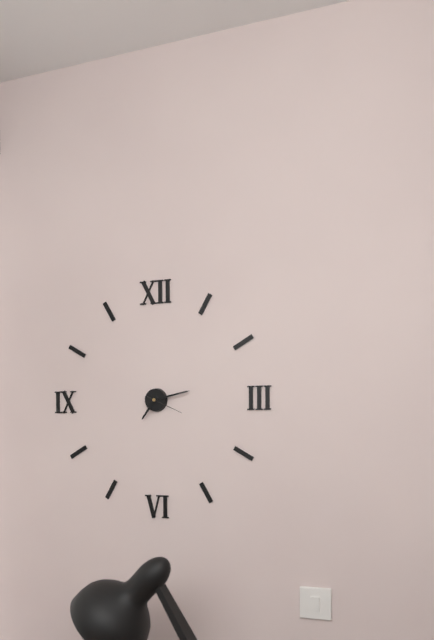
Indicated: 7,13
